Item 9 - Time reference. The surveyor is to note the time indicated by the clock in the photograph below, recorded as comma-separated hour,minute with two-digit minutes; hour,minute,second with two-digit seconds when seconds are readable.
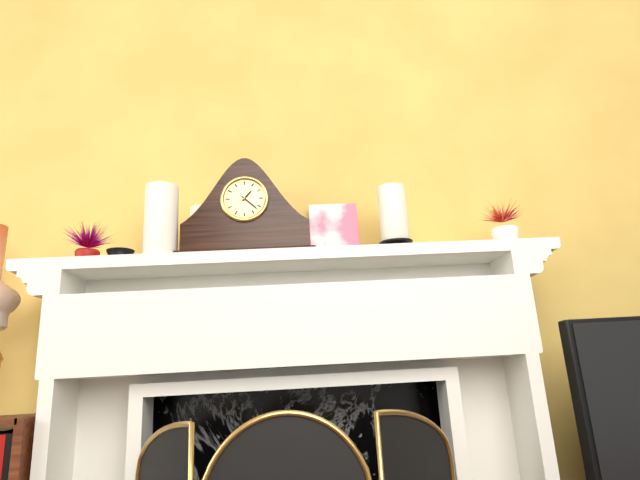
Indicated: 1,22
